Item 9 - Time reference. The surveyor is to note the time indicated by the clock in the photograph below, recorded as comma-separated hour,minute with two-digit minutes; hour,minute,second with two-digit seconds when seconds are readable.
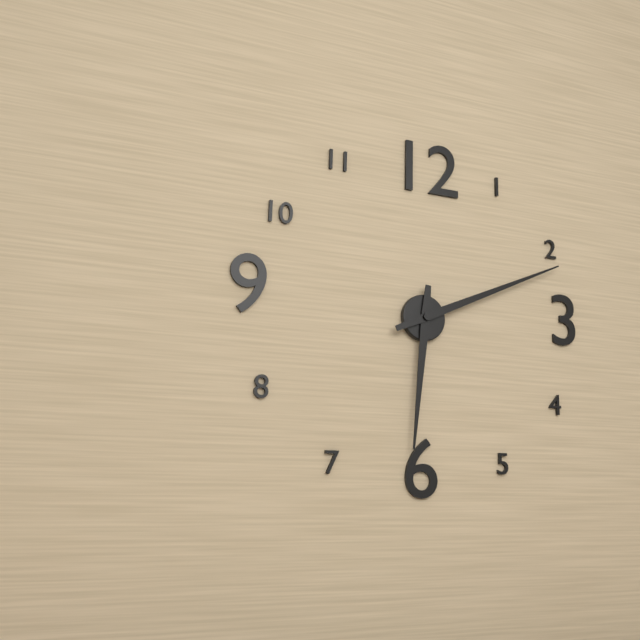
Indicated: 6,11
